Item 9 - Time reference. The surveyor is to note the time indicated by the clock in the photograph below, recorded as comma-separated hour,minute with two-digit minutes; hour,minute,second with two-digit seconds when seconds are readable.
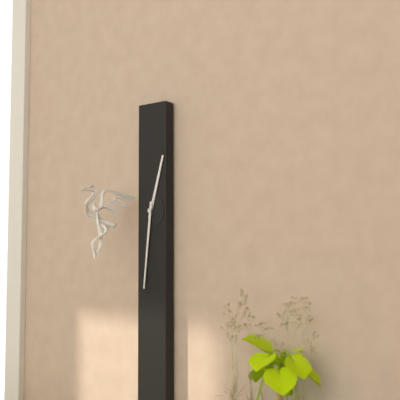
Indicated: 12,31
